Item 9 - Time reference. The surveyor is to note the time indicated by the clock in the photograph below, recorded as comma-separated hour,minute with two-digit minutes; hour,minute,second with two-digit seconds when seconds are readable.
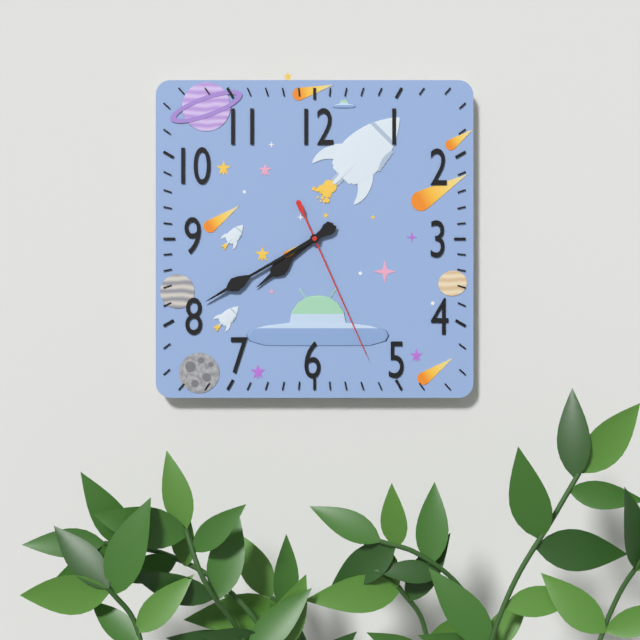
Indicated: 7,40,26
